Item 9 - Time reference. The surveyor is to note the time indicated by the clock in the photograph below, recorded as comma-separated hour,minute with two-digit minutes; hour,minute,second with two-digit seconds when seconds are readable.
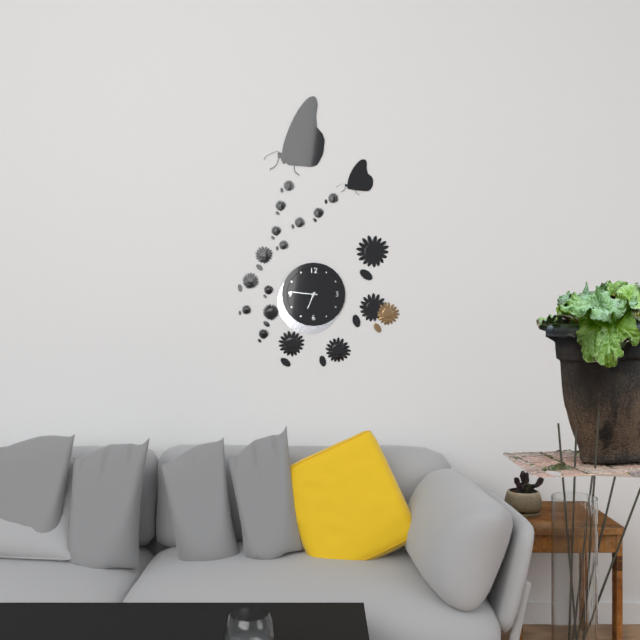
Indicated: 6,46
